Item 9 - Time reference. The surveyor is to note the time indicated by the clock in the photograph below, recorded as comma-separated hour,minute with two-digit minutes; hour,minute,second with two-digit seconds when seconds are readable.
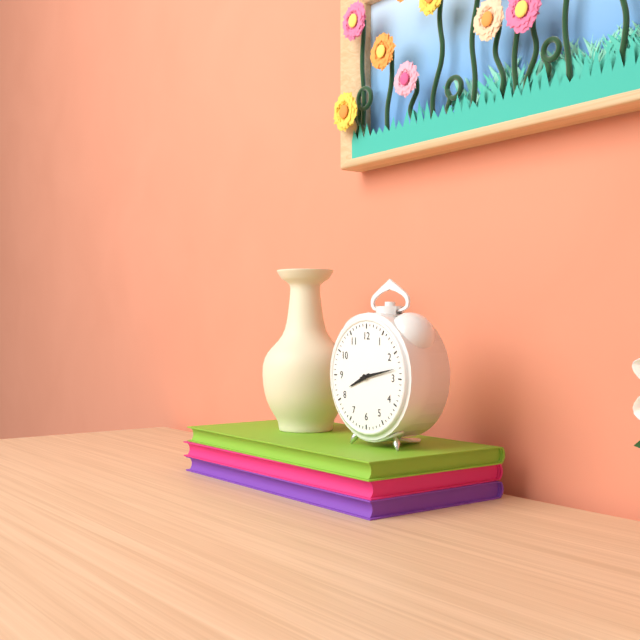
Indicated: 8,13
